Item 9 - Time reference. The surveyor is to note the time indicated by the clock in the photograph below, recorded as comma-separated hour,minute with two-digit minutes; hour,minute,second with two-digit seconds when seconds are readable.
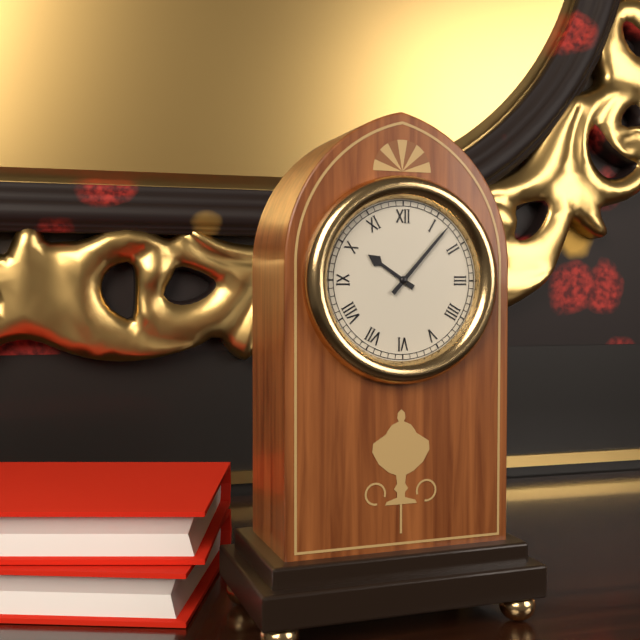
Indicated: 10,07
